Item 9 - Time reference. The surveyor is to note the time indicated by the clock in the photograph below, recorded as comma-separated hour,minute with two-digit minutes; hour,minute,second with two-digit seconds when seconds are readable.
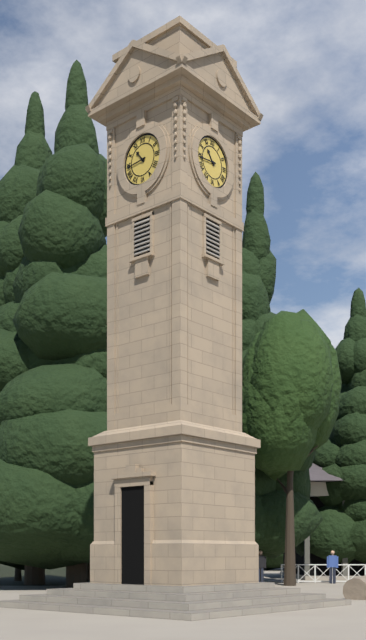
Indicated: 10,44
